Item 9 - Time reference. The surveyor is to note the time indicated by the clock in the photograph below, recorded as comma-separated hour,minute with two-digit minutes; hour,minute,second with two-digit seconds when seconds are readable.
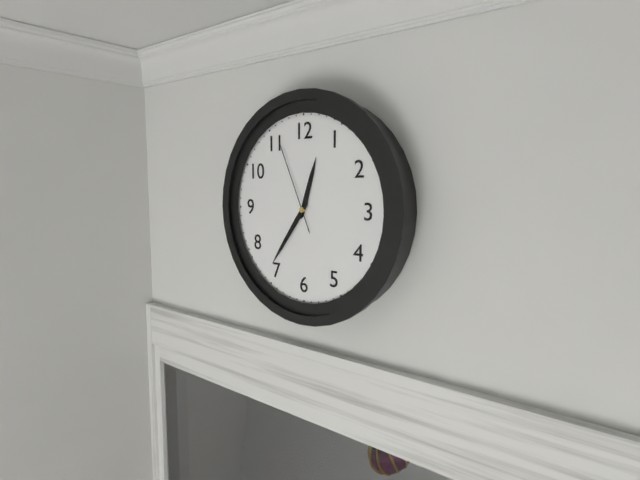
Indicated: 12,36,56
